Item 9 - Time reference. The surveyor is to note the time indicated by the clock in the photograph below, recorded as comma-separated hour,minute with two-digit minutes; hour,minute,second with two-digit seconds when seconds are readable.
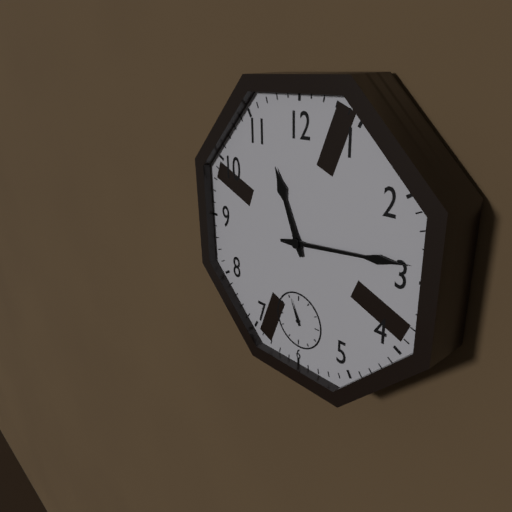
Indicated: 11,14
